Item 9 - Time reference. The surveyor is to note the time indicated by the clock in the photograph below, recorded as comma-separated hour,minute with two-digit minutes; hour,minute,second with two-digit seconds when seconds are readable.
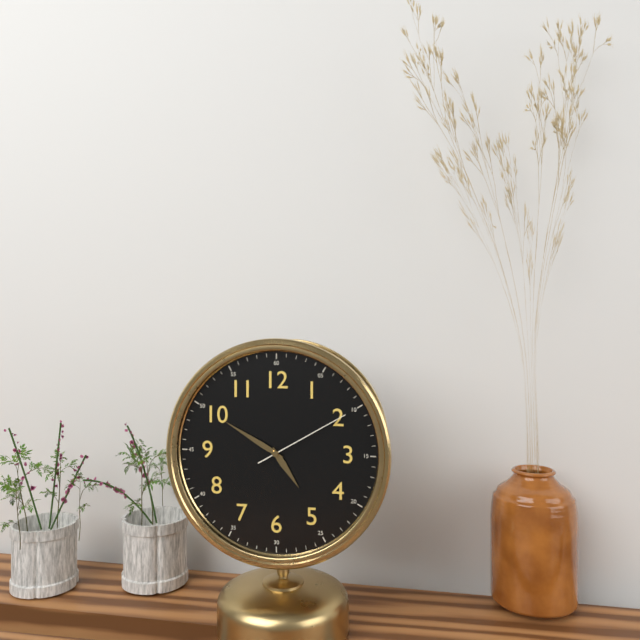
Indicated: 4,50,10
